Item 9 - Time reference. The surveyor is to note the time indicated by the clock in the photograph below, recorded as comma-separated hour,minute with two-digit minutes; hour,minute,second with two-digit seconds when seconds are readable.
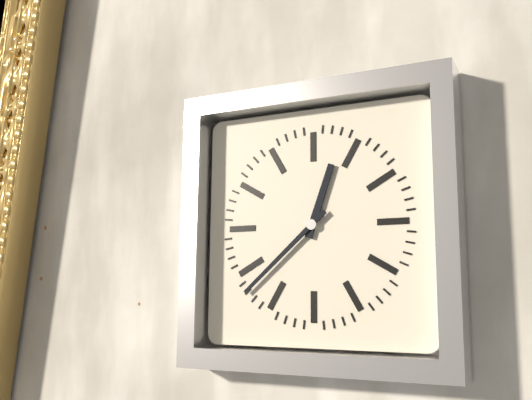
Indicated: 12,38
